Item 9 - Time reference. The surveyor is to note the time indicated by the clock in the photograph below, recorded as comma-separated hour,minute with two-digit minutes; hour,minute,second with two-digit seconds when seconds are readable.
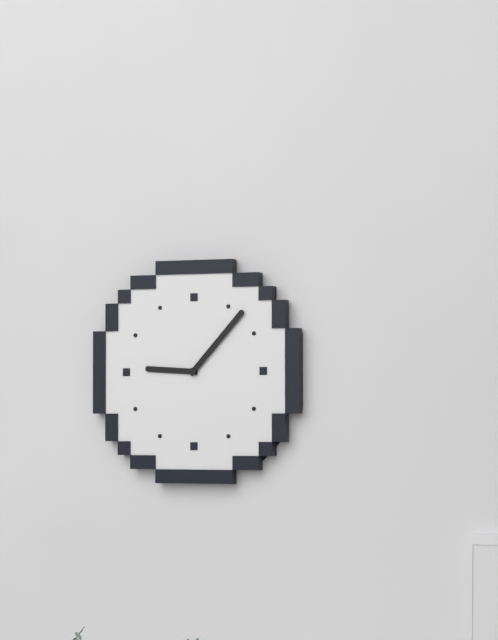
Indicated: 9,07
